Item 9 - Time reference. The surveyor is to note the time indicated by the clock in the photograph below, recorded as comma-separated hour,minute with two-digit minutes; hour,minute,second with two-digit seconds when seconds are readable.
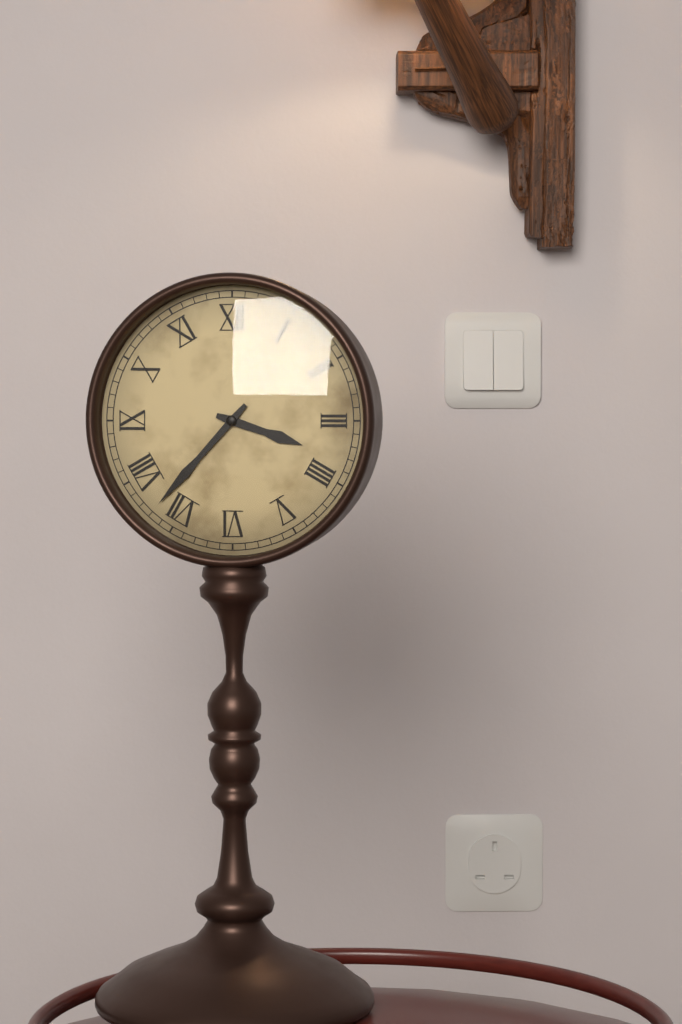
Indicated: 3,37
